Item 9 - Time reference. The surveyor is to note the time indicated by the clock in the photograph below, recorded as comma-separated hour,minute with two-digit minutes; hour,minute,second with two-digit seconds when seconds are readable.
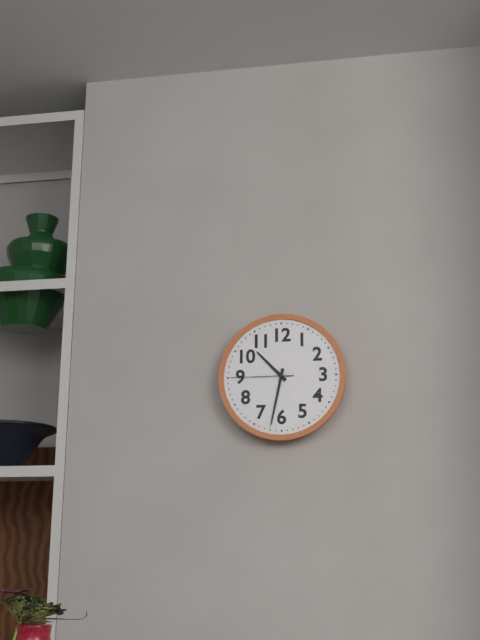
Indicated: 10,32,45
